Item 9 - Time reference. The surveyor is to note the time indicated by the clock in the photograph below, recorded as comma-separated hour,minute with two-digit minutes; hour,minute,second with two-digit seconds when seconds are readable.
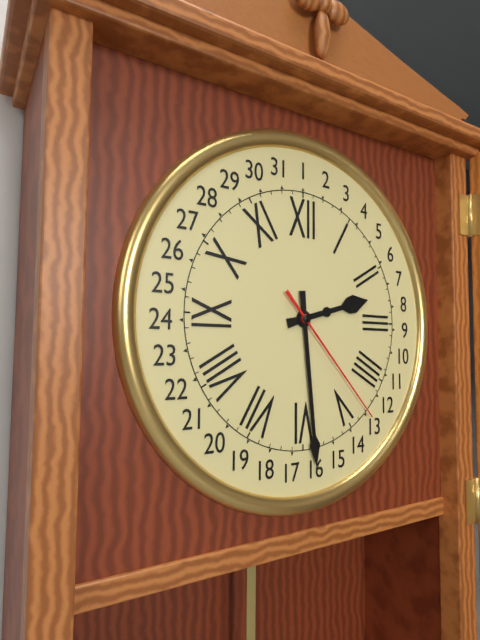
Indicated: 2,29,23
